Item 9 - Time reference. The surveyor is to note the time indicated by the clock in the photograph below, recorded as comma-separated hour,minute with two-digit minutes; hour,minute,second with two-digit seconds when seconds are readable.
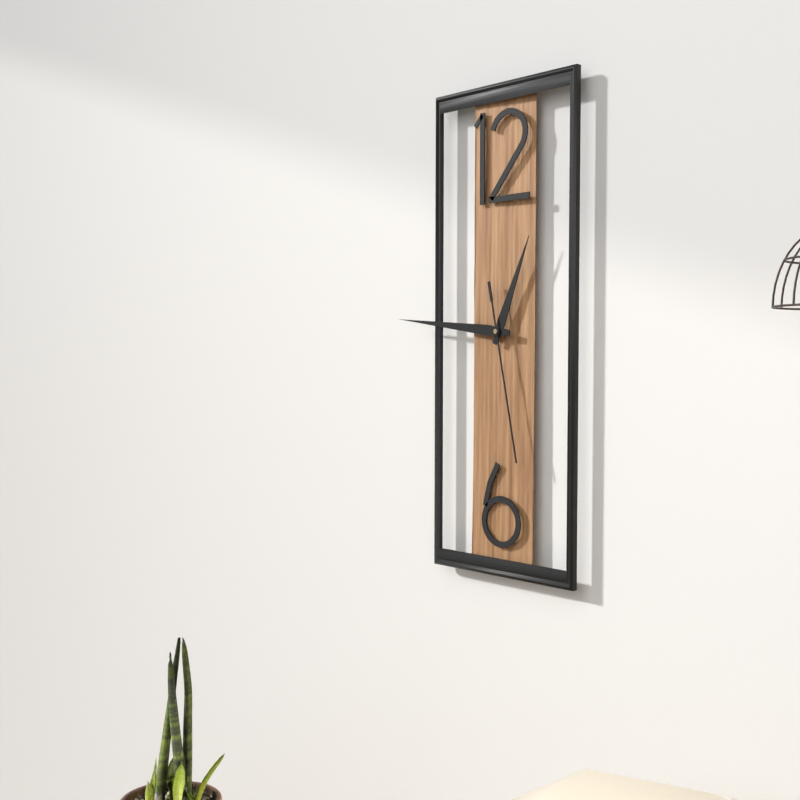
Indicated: 12,46,28
